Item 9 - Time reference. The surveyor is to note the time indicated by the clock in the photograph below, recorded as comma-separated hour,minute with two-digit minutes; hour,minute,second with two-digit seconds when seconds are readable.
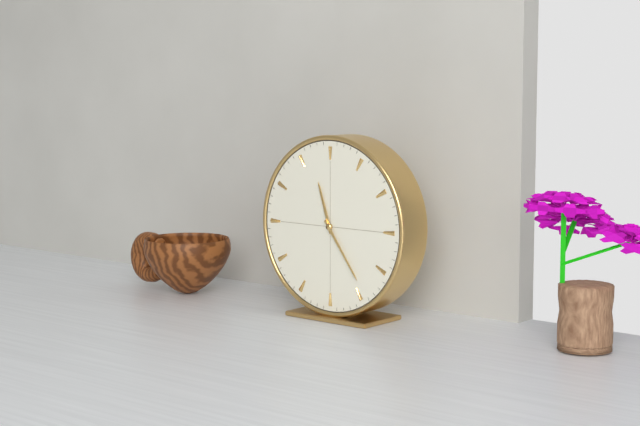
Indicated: 11,24
